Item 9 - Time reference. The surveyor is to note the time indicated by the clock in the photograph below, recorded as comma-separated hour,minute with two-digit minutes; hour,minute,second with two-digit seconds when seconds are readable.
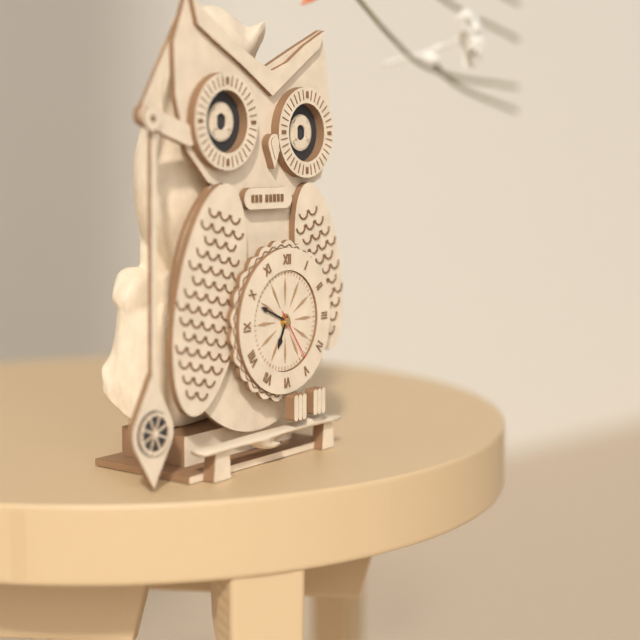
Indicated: 6,49,24
